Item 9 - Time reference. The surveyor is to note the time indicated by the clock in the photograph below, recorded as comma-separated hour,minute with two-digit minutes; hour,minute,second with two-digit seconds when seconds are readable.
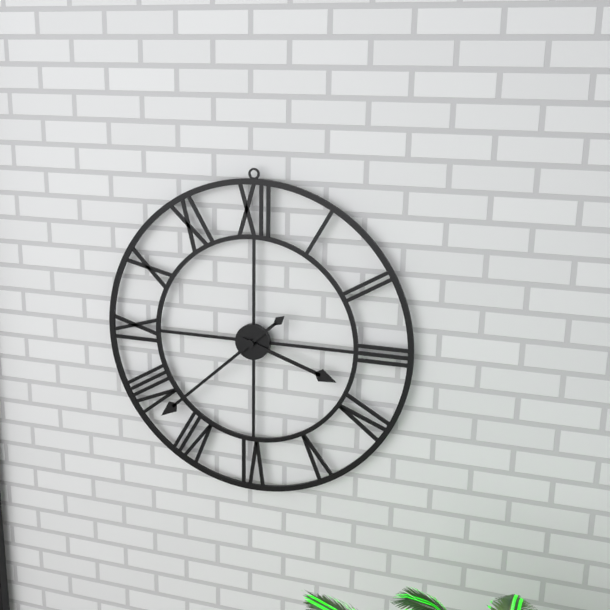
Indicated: 3,38
